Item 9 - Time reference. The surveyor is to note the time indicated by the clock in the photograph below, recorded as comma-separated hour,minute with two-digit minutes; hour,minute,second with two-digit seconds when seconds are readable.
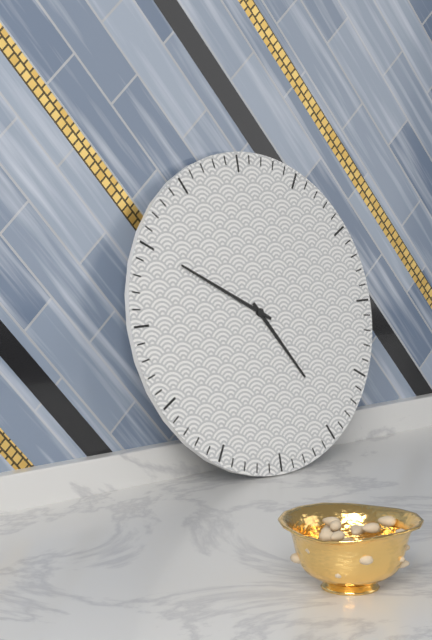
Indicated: 4,50
